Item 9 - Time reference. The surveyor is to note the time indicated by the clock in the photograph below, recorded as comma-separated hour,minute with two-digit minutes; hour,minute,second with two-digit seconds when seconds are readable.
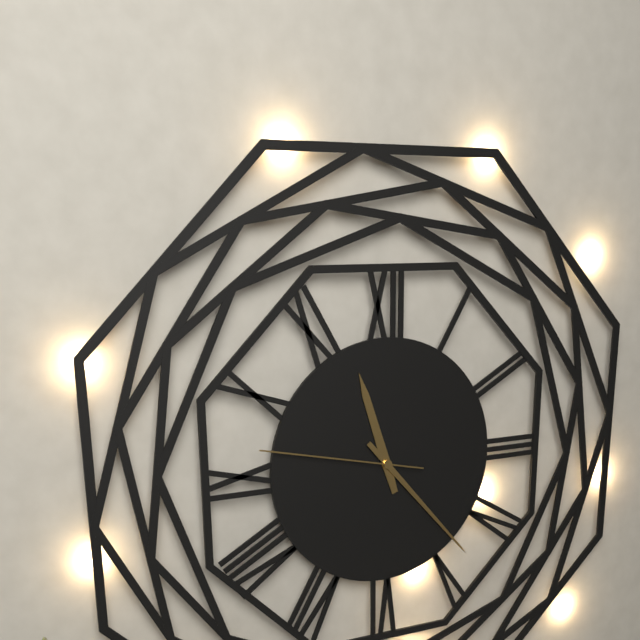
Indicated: 11,23,47
